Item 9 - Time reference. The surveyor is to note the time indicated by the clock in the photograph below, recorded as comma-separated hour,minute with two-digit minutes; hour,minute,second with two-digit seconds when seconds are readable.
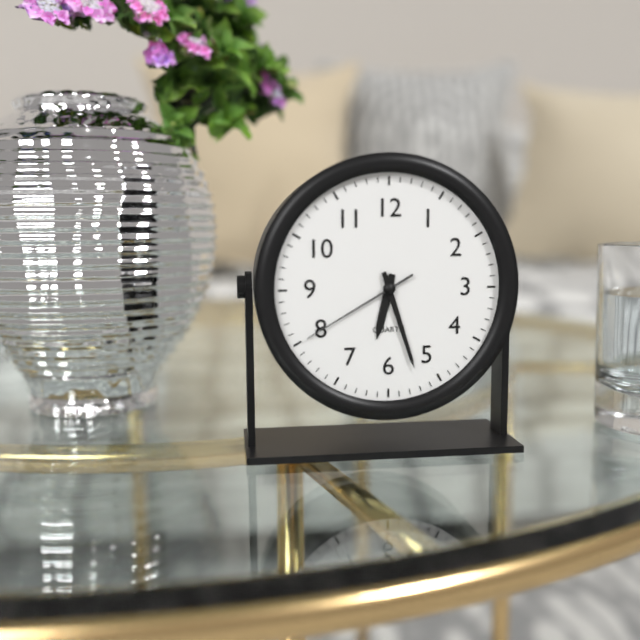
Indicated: 6,27,40
